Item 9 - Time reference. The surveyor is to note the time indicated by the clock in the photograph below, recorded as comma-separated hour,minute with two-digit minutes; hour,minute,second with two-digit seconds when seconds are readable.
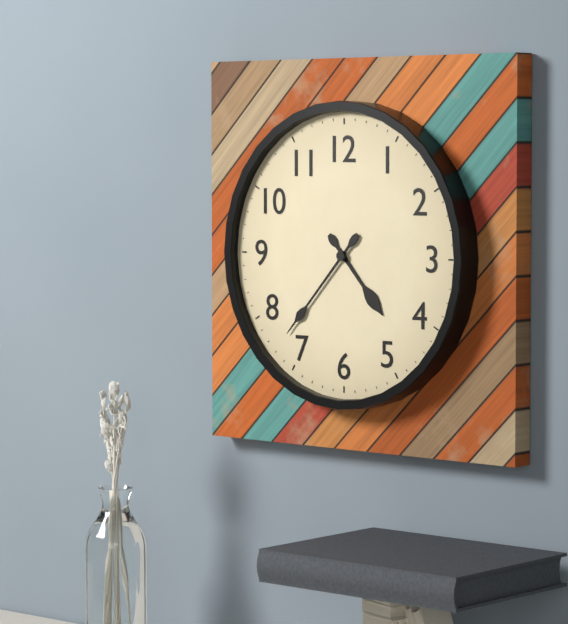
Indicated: 4,37
